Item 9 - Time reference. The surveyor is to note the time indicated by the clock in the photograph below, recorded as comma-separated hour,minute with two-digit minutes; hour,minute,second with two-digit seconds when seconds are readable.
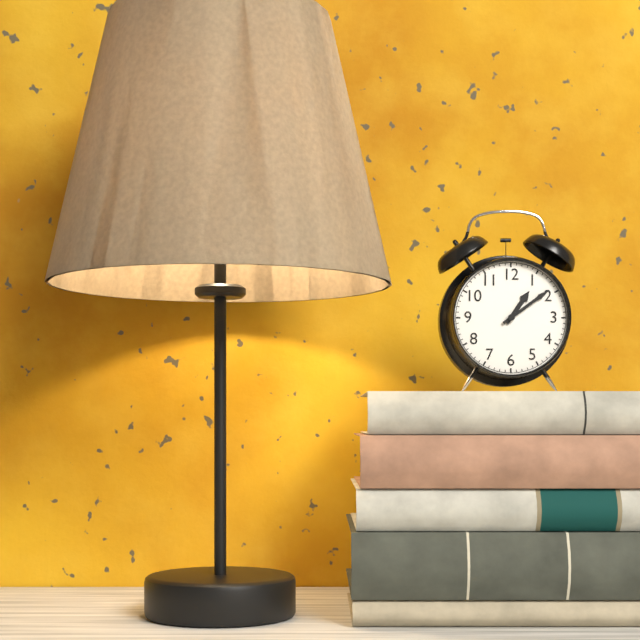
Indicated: 1,09
